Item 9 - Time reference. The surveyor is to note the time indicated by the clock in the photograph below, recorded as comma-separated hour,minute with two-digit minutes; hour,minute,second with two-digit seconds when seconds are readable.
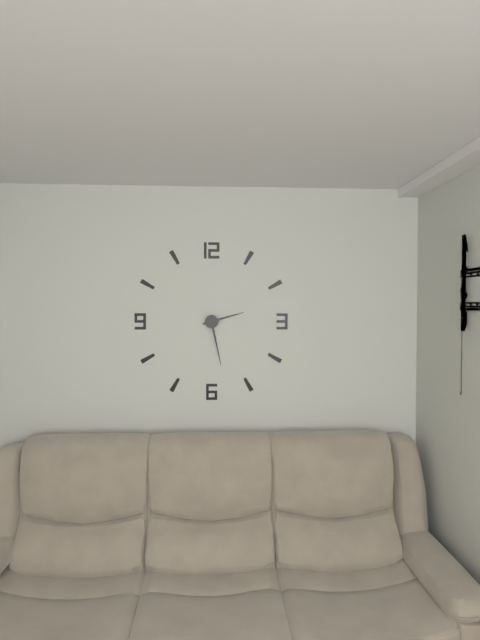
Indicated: 2,28
